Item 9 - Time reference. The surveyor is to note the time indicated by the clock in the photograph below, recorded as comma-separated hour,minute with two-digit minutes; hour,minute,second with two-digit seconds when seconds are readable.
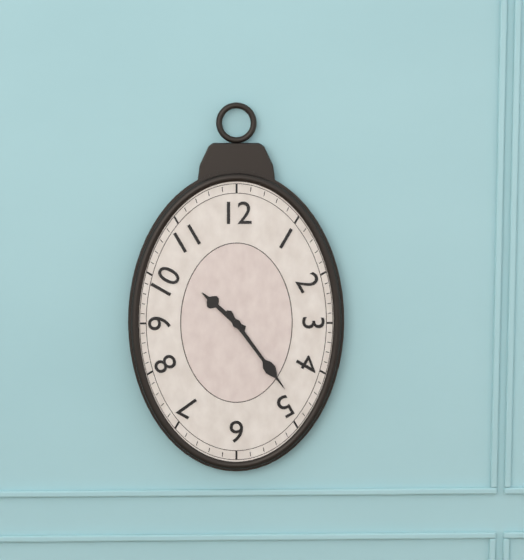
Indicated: 10,24
